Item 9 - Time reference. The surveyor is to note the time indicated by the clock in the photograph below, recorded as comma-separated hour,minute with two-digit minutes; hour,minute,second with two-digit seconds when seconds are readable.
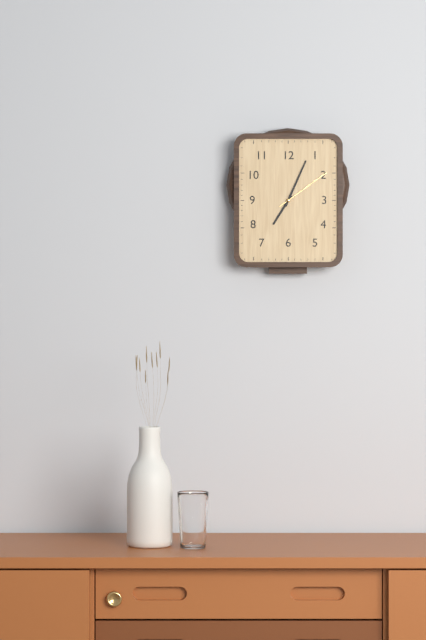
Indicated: 7,04,09
